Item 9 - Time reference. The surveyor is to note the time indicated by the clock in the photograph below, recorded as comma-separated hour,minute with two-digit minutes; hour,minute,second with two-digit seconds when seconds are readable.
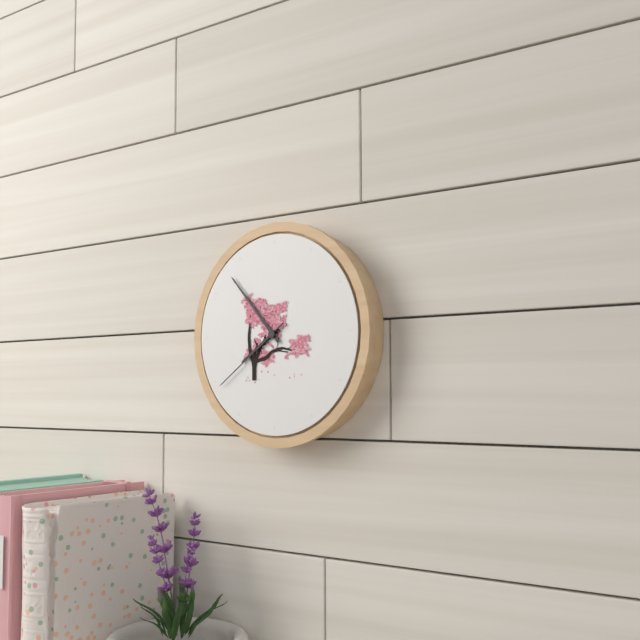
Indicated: 7,53,39
